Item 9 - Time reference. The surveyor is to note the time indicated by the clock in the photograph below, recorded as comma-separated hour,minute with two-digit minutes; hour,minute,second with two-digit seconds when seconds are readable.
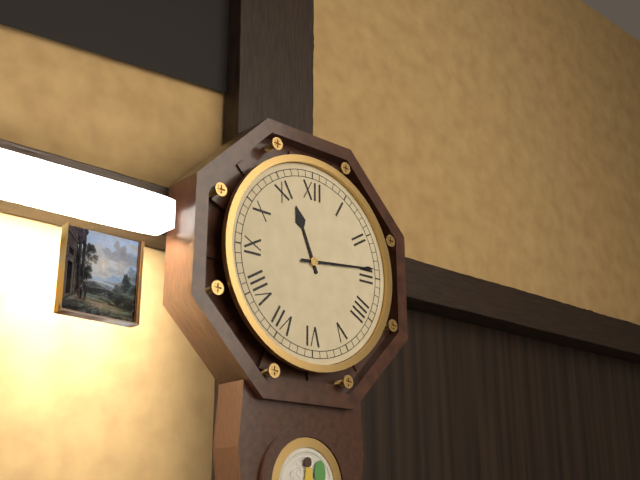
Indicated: 11,14
